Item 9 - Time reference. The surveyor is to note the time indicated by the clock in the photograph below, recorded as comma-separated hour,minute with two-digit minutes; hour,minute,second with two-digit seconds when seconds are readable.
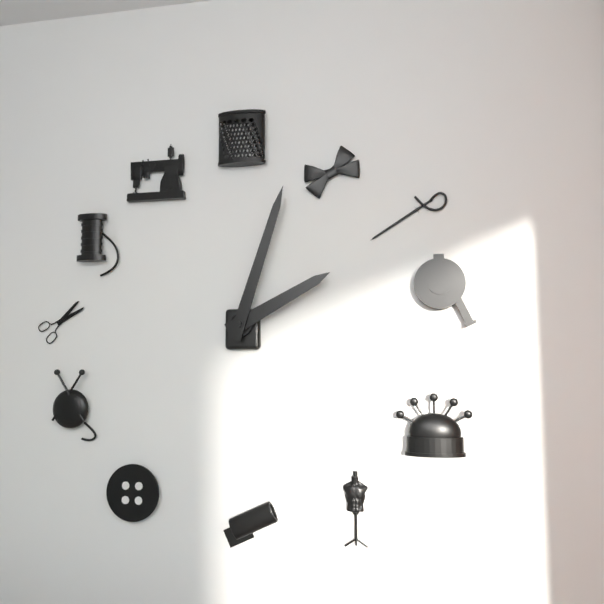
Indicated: 2,03
